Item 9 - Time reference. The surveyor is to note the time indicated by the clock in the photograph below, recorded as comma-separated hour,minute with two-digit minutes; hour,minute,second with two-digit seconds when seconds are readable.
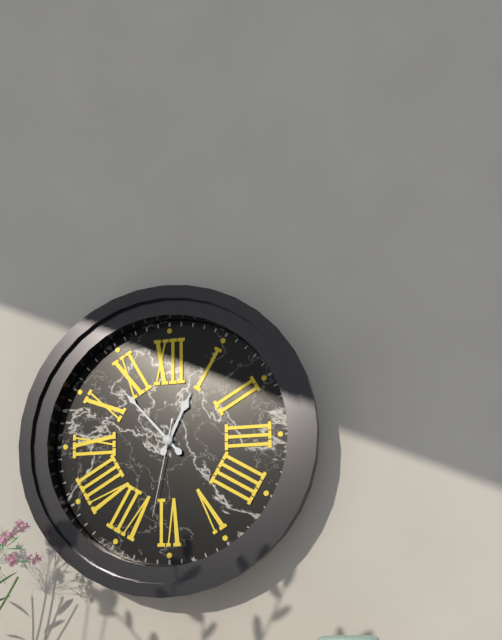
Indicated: 12,53,32
